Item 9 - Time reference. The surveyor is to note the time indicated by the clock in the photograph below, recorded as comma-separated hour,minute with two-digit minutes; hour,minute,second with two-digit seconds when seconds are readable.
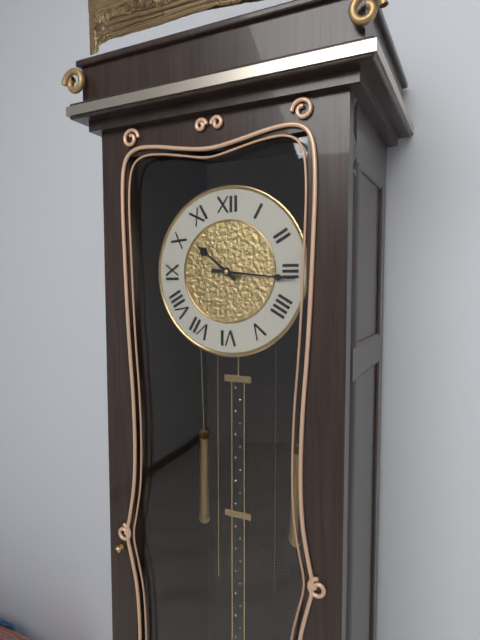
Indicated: 10,16
